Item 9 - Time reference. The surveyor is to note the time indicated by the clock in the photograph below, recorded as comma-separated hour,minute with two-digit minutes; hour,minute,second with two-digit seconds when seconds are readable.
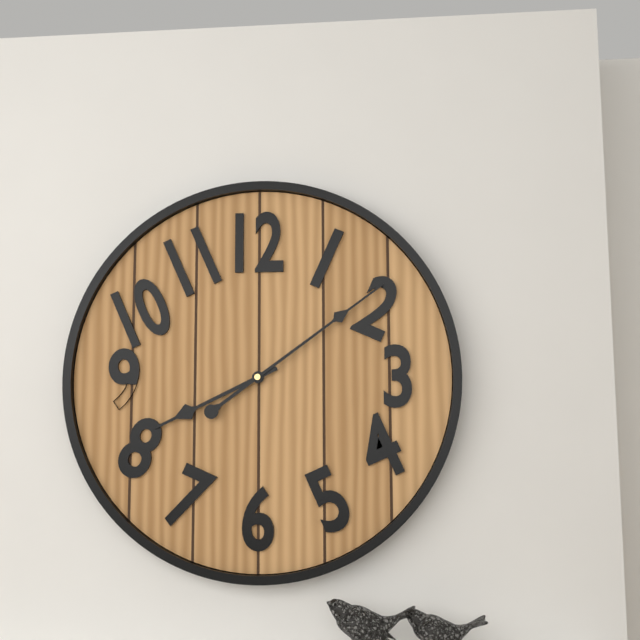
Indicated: 8,09
